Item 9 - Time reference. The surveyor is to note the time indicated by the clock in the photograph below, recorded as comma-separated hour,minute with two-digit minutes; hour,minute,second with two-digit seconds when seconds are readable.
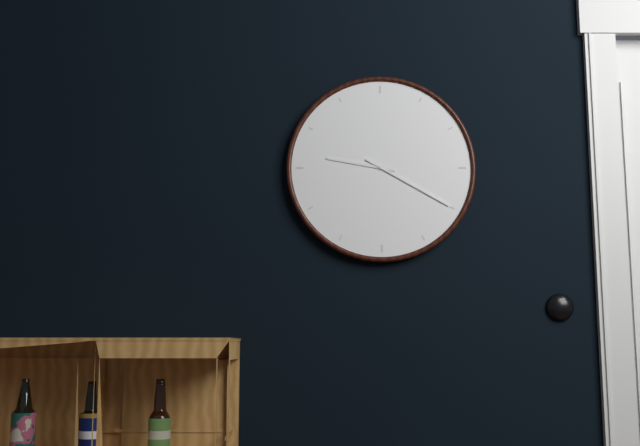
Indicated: 9,20
